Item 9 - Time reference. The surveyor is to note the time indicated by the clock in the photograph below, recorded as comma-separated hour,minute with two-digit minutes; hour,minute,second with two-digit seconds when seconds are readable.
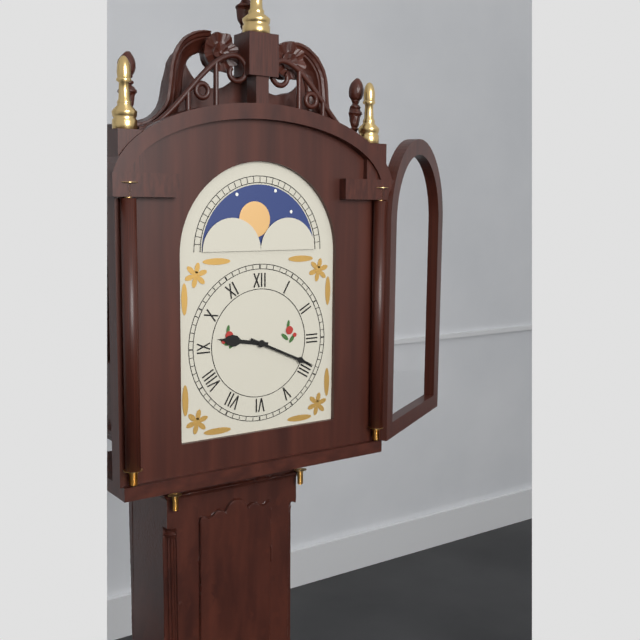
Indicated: 9,19
